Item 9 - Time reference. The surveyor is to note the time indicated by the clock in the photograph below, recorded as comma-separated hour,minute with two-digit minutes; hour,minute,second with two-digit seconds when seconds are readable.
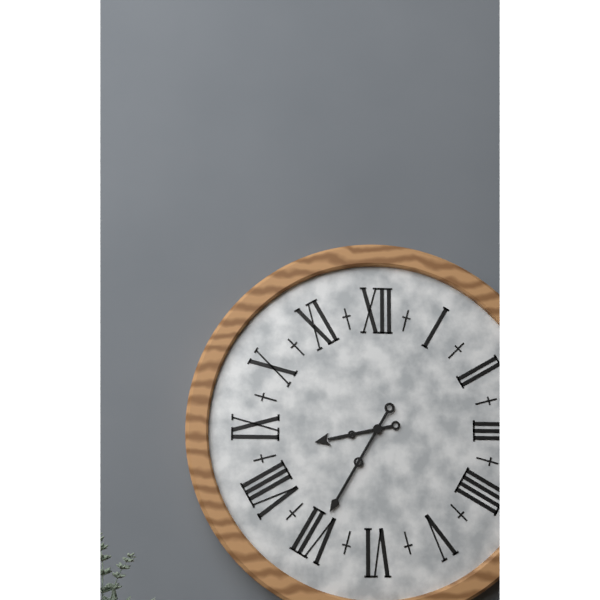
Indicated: 8,35
